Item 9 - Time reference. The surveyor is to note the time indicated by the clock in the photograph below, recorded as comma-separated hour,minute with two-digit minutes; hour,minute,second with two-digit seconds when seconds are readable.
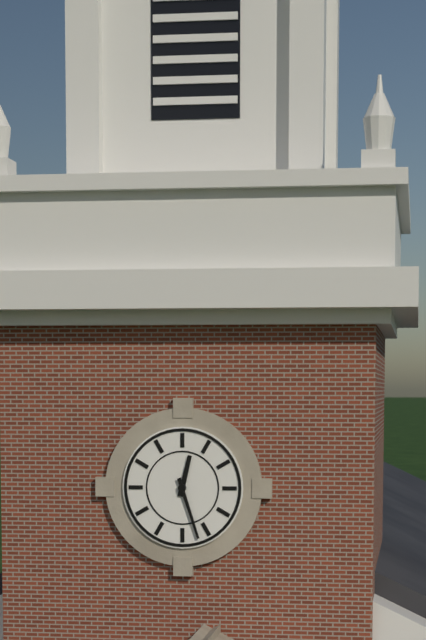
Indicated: 12,27
